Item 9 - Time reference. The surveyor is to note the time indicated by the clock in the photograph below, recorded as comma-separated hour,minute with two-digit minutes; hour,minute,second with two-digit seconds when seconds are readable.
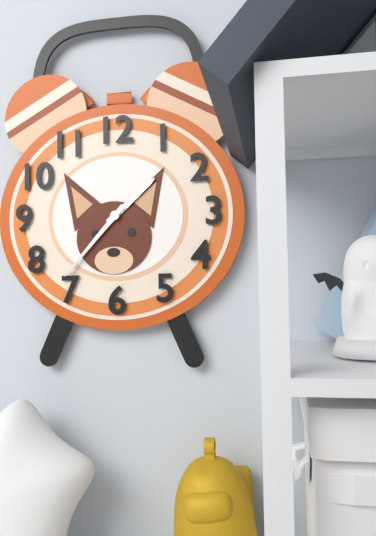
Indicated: 1,37
